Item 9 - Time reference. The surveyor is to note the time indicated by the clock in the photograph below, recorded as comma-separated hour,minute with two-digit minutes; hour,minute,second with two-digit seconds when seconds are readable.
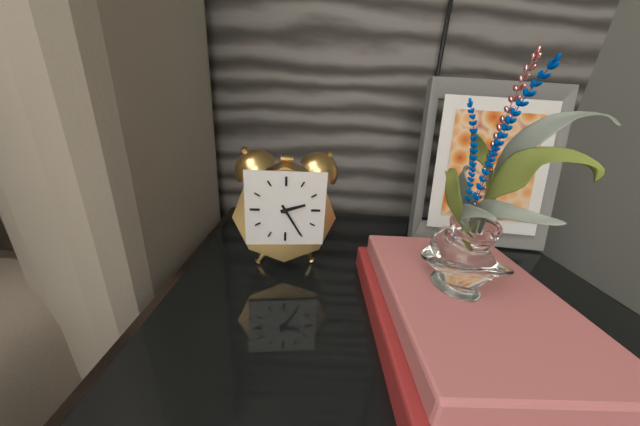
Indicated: 2,25
